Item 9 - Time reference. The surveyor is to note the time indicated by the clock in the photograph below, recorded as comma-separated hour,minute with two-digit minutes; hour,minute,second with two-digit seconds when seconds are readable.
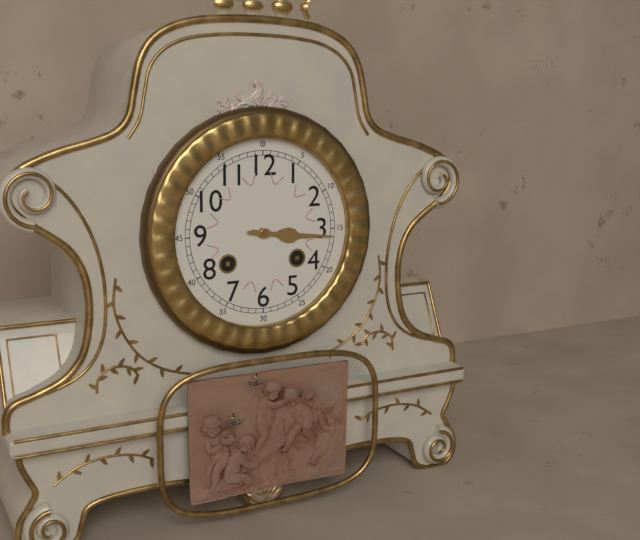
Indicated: 3,16
